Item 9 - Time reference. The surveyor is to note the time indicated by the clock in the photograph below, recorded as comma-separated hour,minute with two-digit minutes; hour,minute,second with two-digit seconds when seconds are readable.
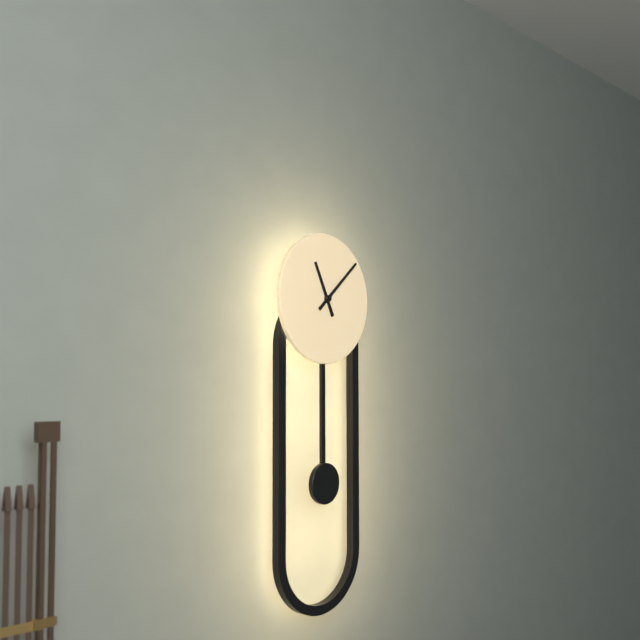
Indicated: 11,08
